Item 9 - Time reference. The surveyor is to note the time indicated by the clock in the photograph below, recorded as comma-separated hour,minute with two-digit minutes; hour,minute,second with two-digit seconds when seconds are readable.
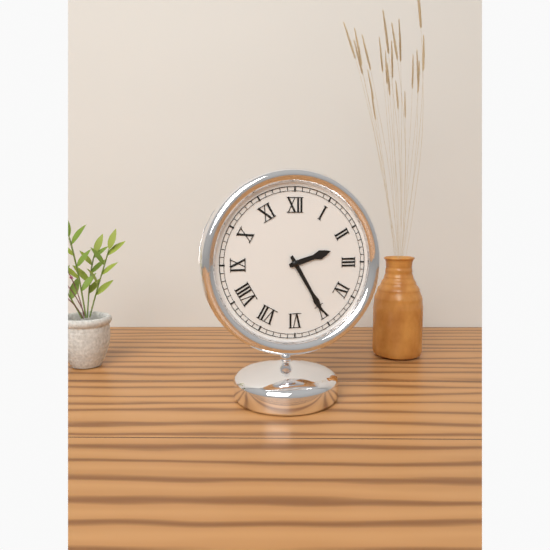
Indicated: 2,25
